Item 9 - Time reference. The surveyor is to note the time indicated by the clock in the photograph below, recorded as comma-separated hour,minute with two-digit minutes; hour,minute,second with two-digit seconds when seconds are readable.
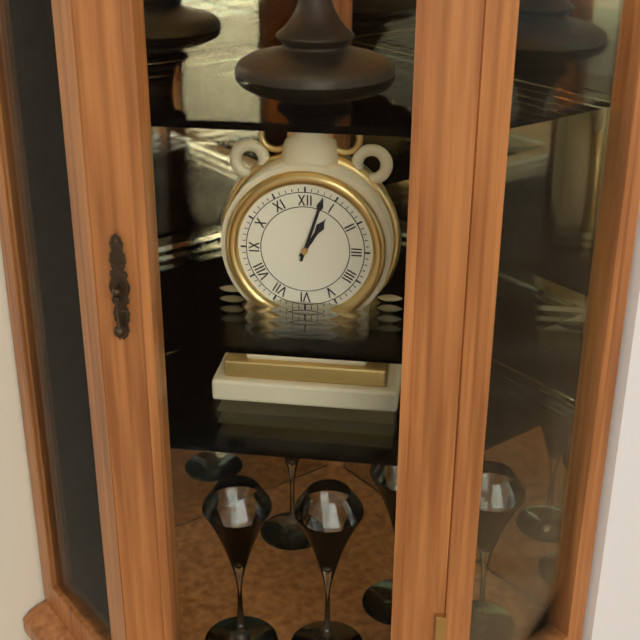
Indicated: 1,03
